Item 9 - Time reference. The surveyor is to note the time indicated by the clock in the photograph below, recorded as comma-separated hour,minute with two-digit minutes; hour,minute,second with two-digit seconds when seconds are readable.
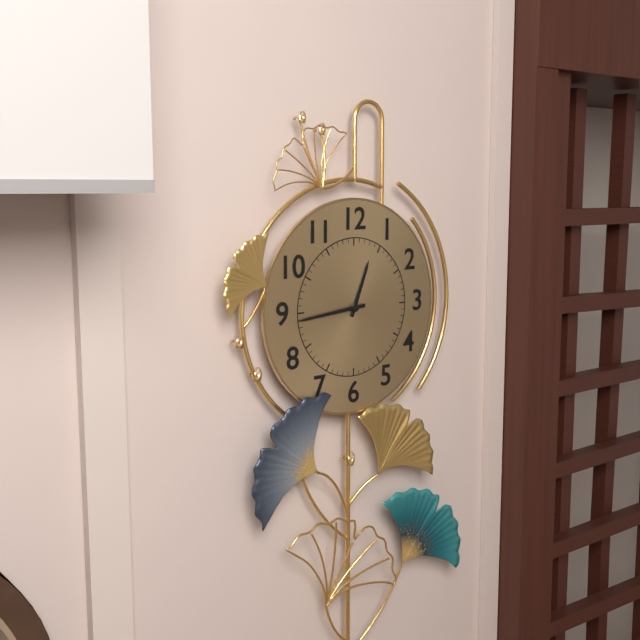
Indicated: 12,44
